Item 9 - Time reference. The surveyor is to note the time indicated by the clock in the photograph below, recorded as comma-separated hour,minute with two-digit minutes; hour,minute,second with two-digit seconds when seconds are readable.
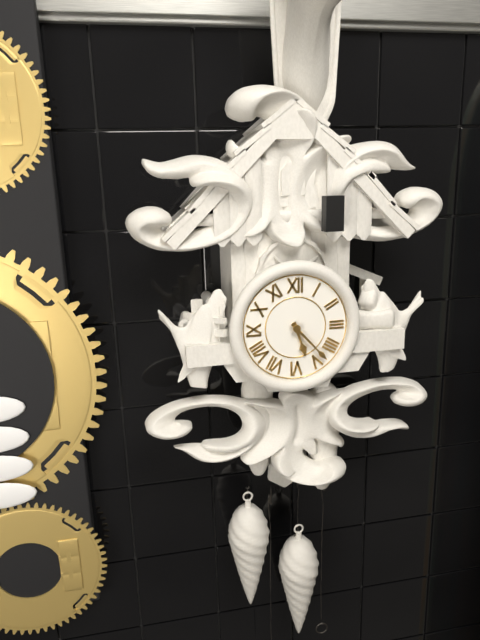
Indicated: 5,23
